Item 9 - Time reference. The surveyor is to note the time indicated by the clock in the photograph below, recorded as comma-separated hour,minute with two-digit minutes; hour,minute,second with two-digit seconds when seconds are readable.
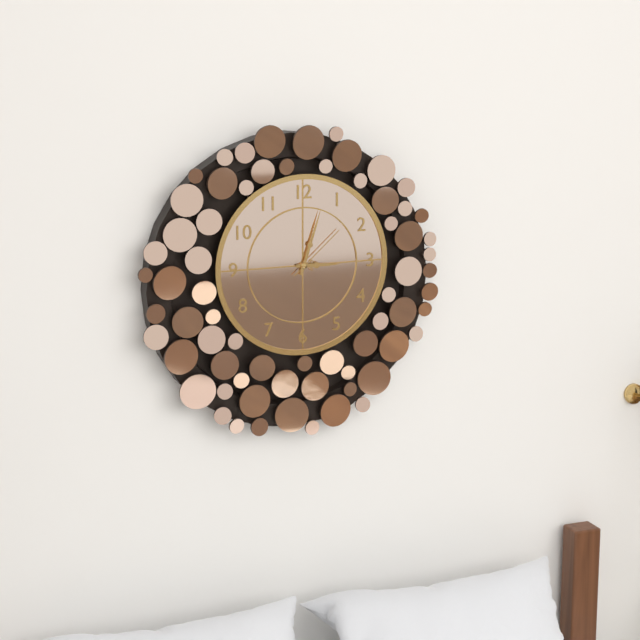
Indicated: 3,03,08
